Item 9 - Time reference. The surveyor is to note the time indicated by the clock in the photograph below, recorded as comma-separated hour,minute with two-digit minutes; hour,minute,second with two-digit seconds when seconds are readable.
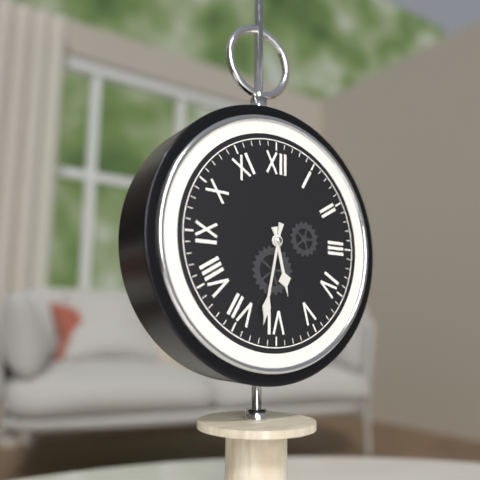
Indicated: 5,32
